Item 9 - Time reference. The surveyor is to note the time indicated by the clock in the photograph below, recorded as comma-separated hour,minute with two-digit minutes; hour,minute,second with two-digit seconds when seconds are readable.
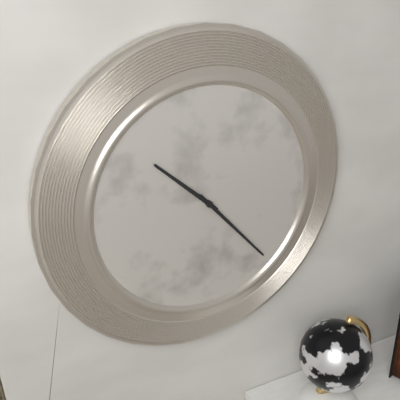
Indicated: 10,23
